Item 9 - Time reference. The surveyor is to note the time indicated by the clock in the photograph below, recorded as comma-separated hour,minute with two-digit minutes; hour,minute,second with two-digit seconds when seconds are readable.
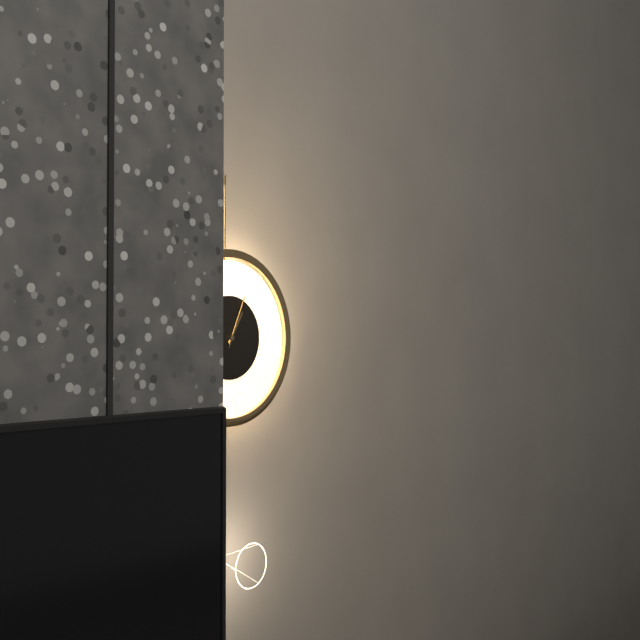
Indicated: 1,04,04
